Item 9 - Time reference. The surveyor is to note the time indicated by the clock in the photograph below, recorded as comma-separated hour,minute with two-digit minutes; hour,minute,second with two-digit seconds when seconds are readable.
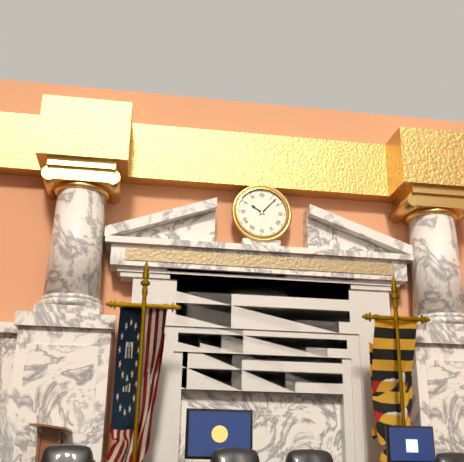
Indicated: 10,07
